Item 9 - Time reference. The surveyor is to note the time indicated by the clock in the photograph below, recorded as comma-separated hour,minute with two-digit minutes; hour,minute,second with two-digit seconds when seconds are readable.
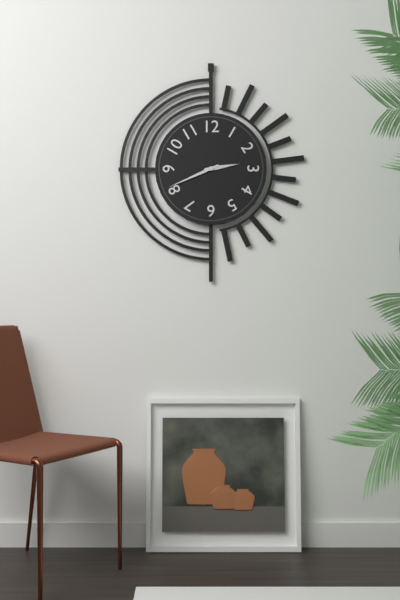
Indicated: 2,41
